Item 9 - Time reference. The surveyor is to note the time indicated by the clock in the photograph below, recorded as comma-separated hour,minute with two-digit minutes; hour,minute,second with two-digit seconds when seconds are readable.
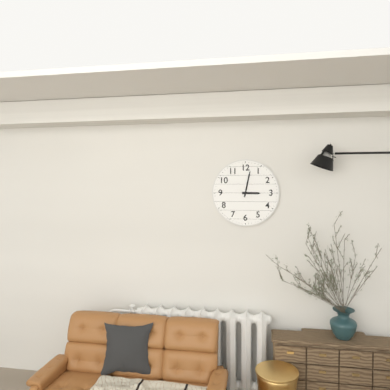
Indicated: 3,02
